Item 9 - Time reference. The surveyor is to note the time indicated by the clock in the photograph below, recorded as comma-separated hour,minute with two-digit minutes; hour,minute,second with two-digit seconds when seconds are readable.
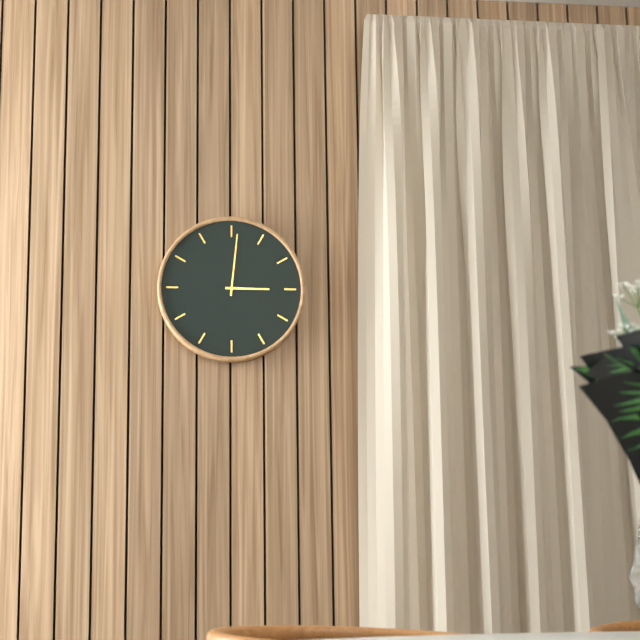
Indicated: 3,01
